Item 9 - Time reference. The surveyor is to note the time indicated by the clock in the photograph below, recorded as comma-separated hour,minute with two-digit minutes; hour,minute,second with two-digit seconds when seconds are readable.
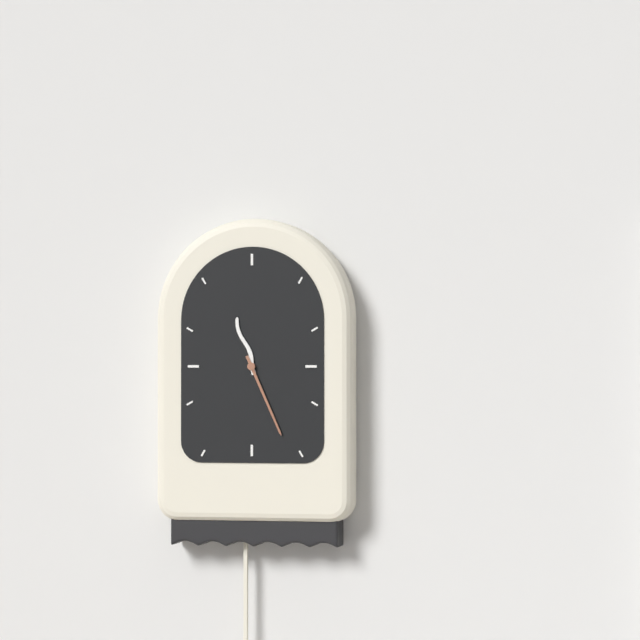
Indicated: 11,26
